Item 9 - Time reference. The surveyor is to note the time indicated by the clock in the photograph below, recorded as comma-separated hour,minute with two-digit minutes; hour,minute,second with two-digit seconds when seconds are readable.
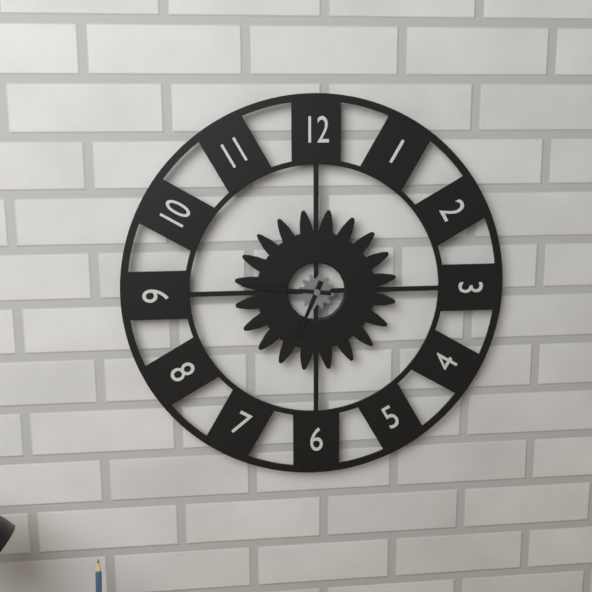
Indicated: 6,46
